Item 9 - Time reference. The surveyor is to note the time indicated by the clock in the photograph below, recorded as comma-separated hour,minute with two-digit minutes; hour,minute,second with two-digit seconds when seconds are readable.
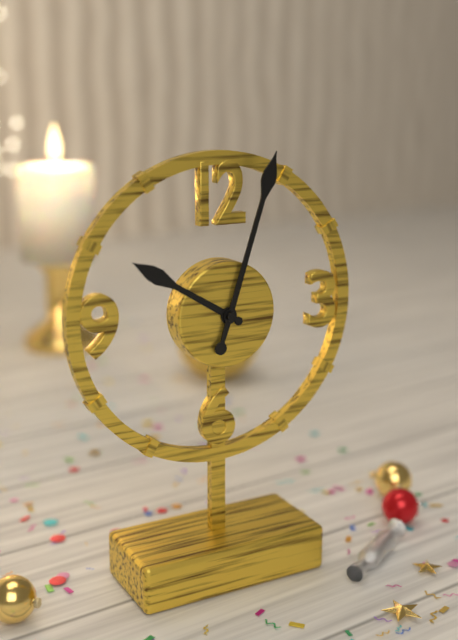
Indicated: 10,03
